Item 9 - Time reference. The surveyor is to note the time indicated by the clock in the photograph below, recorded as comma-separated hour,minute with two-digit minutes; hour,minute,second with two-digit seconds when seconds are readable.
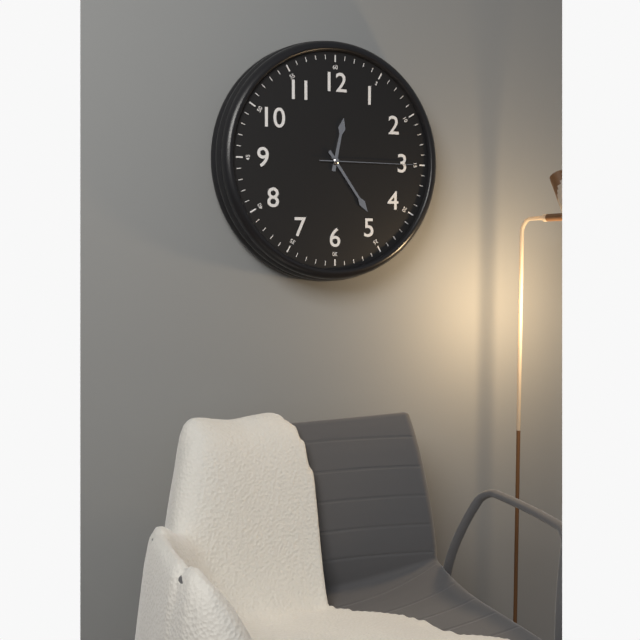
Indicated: 12,24,15
